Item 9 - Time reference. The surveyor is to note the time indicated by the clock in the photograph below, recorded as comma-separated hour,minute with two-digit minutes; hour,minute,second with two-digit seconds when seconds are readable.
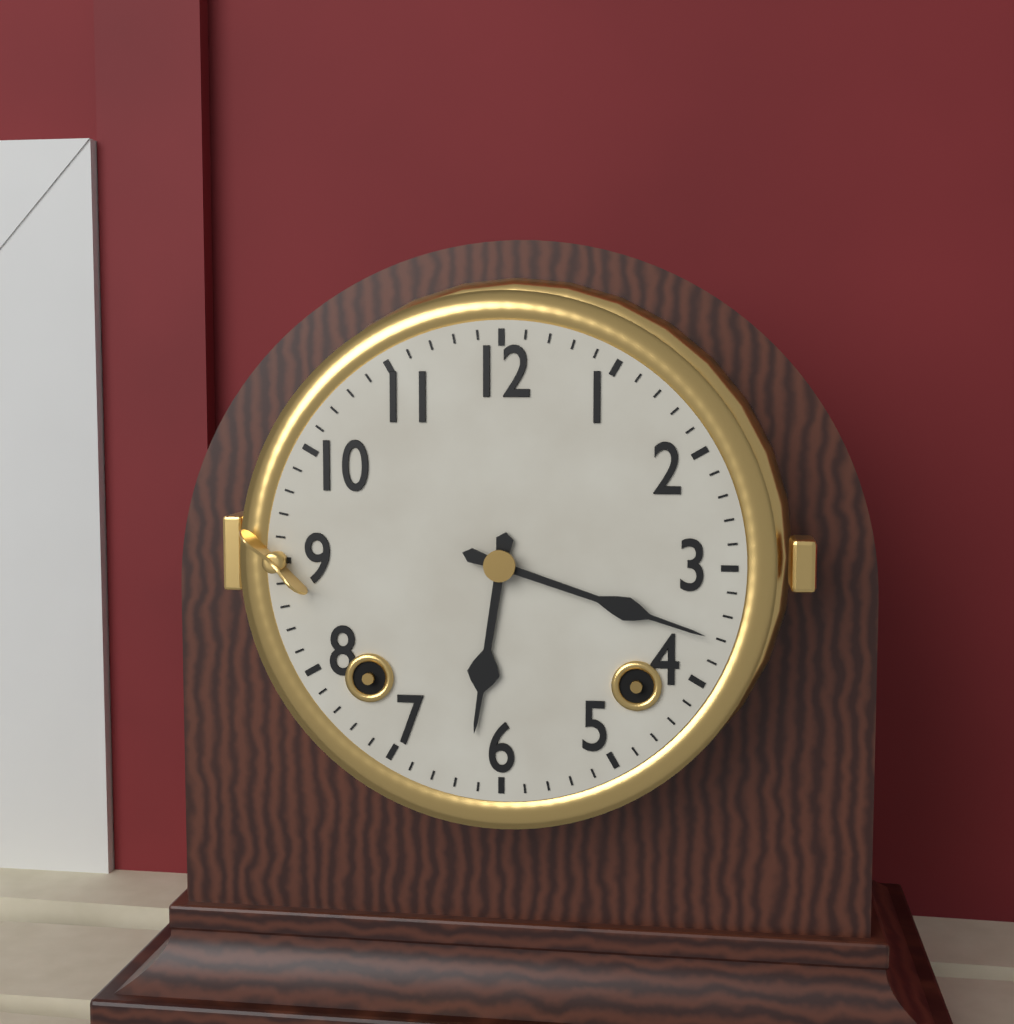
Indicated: 6,18
